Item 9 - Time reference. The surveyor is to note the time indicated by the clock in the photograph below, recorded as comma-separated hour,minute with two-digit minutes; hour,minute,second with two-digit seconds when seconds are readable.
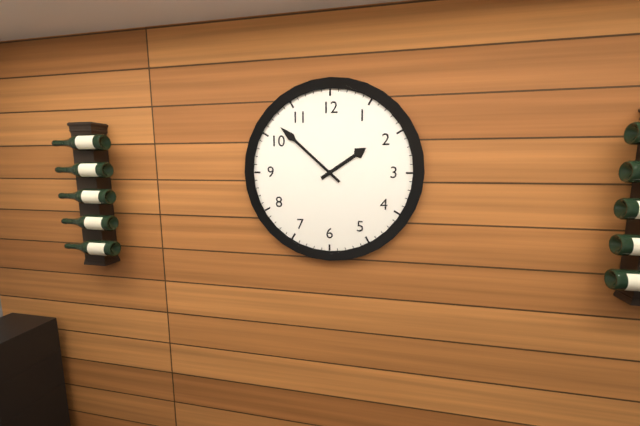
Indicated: 1,52
